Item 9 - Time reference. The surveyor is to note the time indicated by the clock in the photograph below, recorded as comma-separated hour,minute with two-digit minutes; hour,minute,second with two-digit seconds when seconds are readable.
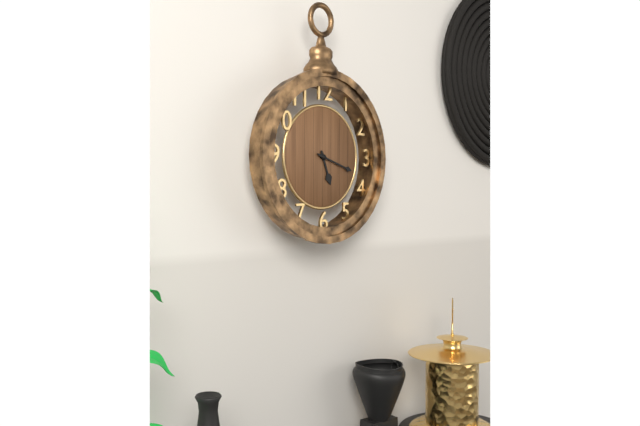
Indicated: 5,18
